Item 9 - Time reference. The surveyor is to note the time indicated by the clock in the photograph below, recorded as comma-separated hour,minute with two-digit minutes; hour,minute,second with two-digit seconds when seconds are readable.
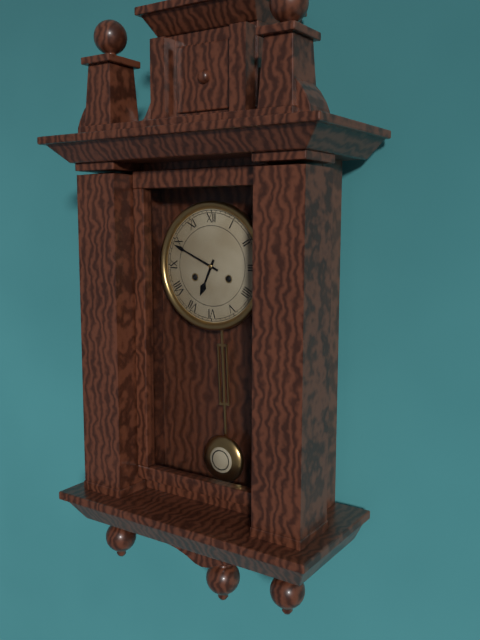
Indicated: 6,49
